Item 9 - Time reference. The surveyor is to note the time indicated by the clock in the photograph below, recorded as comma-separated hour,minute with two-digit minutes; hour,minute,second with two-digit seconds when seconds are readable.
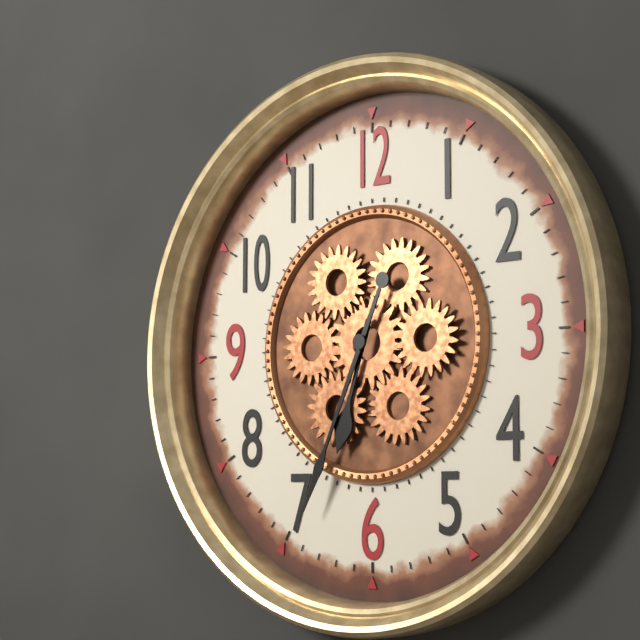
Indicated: 6,34
